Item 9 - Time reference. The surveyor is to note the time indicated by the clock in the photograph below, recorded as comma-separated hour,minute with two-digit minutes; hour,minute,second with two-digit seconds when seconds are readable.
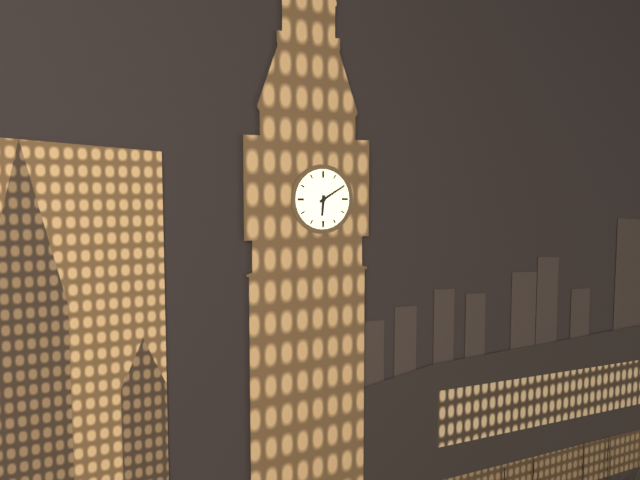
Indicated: 6,10
